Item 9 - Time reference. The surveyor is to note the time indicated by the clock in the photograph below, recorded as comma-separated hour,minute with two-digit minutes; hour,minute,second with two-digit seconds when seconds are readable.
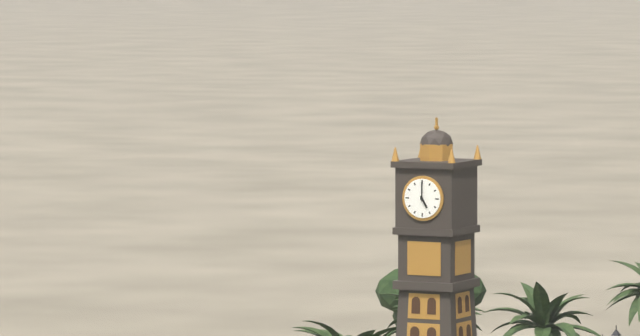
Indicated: 5,00
